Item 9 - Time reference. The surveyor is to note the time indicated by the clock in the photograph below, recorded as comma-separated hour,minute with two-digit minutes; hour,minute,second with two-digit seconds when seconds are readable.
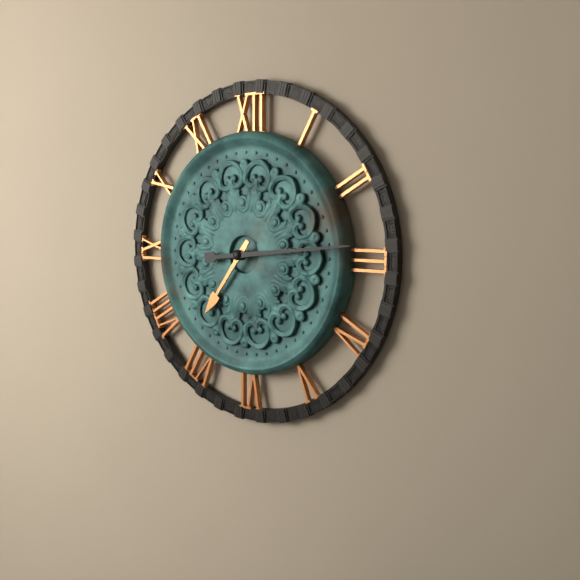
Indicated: 7,14
